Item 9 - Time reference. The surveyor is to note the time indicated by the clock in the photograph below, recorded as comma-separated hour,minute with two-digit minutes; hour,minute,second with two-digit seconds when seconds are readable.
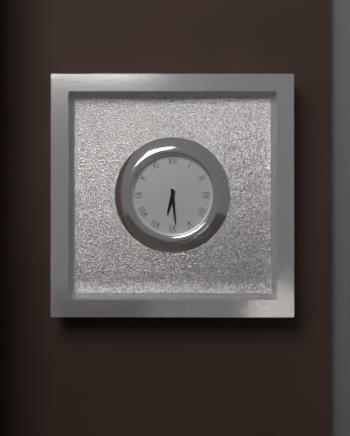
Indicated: 6,29
